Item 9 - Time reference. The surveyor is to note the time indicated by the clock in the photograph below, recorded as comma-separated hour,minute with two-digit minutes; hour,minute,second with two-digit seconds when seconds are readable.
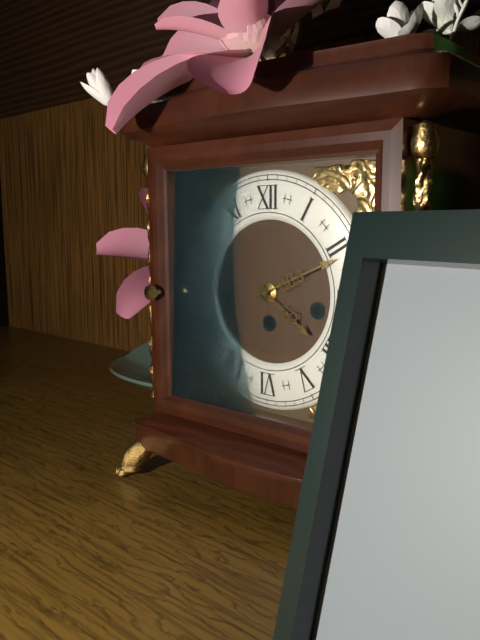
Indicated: 4,11
